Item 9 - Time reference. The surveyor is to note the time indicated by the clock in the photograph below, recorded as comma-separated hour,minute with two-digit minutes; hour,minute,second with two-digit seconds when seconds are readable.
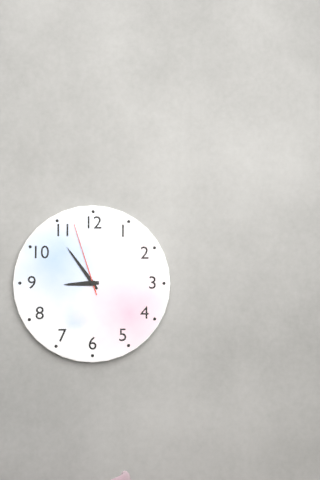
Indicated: 8,54,57
